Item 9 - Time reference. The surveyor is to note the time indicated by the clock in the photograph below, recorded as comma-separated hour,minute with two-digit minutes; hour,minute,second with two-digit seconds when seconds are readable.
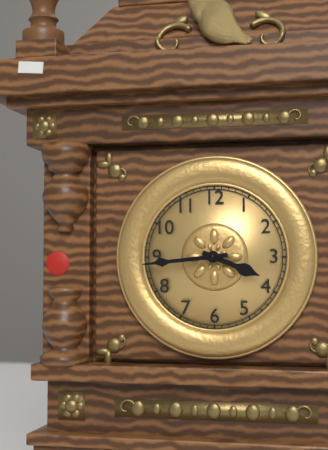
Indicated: 3,44
